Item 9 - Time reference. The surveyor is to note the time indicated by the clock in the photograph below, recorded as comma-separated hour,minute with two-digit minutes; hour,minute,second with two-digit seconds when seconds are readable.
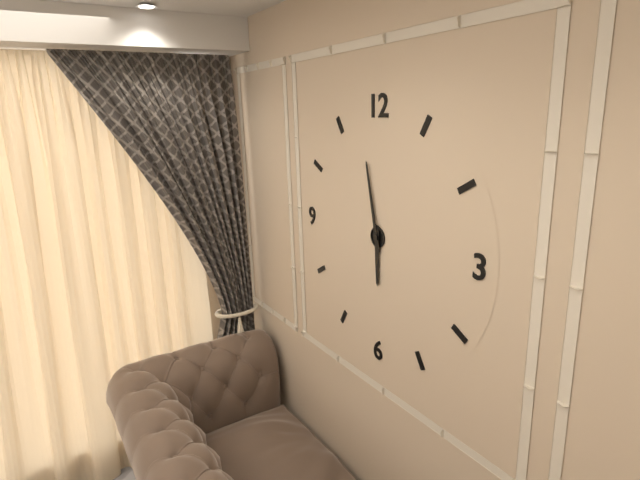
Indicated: 5,58
